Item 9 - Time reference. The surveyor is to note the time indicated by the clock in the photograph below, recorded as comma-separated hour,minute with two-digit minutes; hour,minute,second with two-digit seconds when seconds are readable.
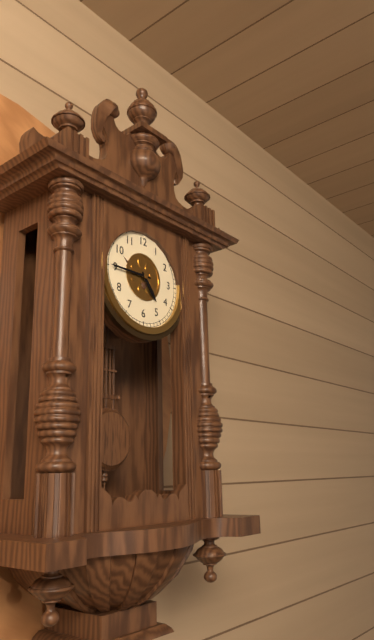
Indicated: 4,45
